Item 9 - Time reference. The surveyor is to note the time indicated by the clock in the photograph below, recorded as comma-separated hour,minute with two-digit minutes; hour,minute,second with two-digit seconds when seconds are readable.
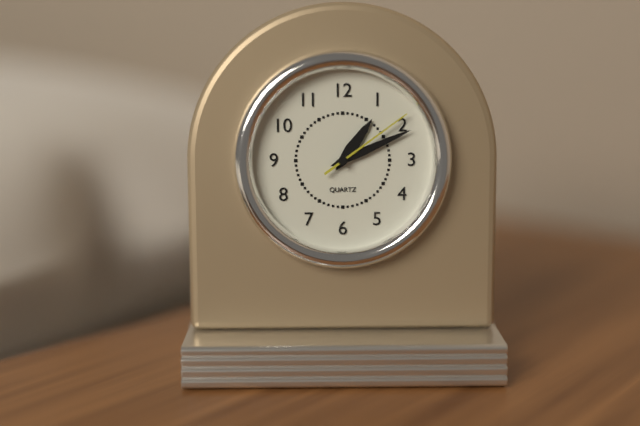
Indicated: 1,11,09
